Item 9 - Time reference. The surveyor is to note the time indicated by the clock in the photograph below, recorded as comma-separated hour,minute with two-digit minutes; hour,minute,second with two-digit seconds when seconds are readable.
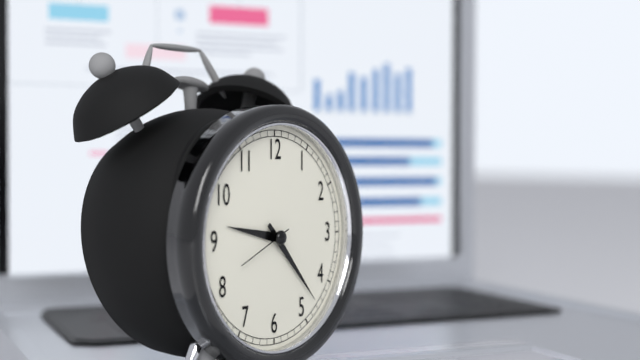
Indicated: 9,23,41
